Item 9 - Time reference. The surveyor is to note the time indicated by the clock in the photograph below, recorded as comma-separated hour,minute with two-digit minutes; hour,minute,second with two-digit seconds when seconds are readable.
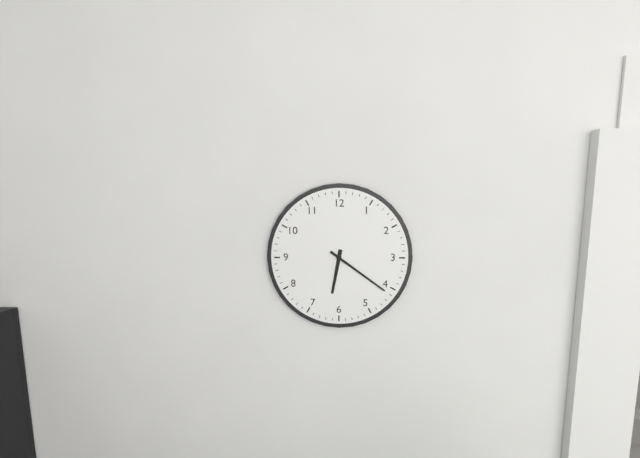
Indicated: 6,21
